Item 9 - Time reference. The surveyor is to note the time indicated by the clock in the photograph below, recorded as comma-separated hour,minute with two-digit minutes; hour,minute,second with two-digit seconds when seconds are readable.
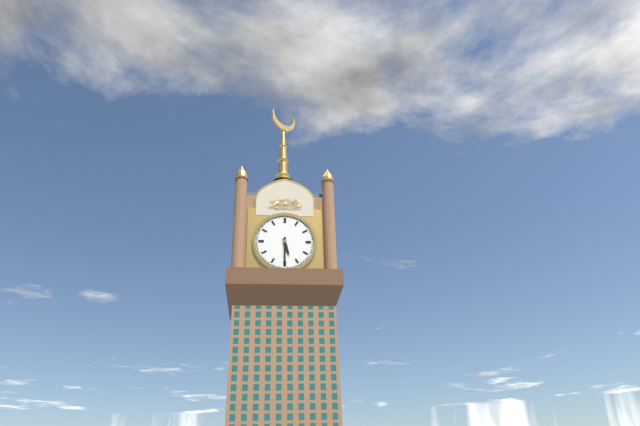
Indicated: 5,30
